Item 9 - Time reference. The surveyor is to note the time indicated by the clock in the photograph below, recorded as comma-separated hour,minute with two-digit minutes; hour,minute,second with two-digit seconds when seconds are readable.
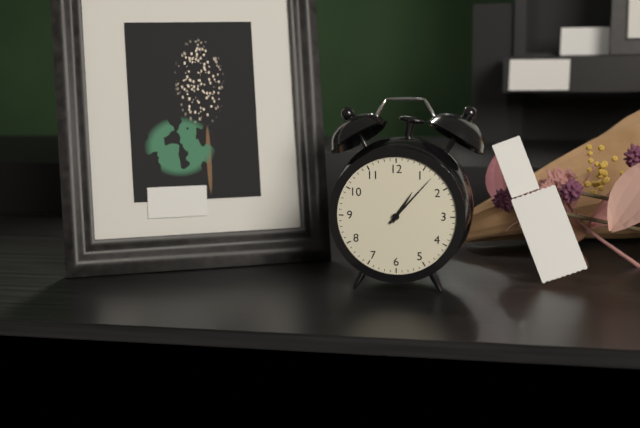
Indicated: 1,07
